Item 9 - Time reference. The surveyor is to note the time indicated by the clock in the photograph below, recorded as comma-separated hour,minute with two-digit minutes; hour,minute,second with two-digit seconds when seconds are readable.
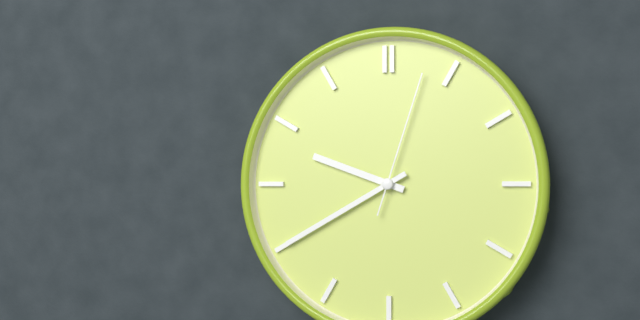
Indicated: 9,40,03
